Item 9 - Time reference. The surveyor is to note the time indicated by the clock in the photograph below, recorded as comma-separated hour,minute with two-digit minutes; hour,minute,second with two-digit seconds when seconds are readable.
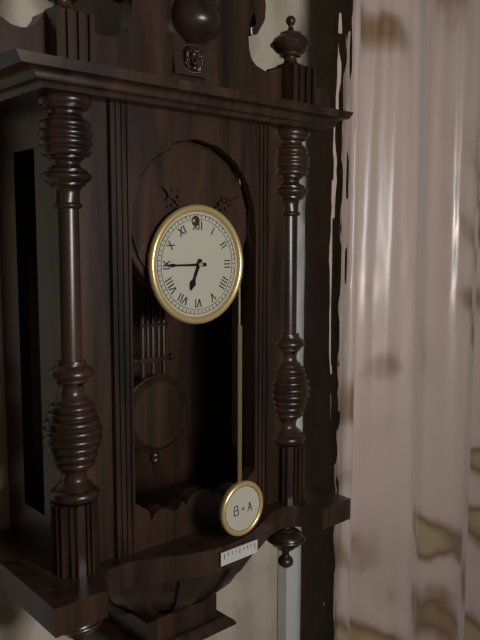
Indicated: 6,45
